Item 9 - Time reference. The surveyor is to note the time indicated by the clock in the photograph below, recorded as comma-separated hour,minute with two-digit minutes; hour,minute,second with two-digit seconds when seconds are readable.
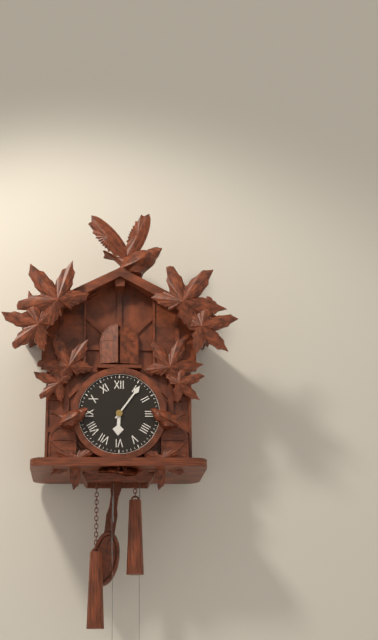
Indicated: 6,06
